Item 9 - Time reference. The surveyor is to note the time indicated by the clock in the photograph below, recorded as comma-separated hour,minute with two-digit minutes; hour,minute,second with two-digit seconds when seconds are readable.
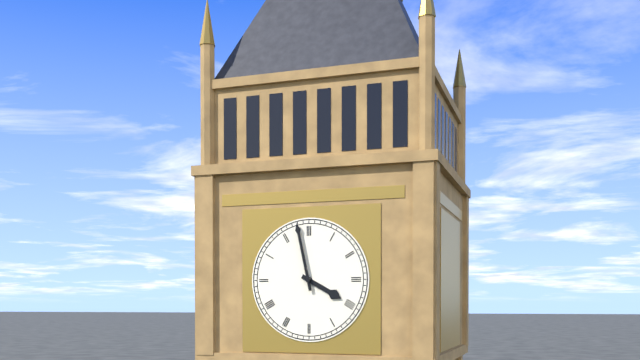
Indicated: 3,58
